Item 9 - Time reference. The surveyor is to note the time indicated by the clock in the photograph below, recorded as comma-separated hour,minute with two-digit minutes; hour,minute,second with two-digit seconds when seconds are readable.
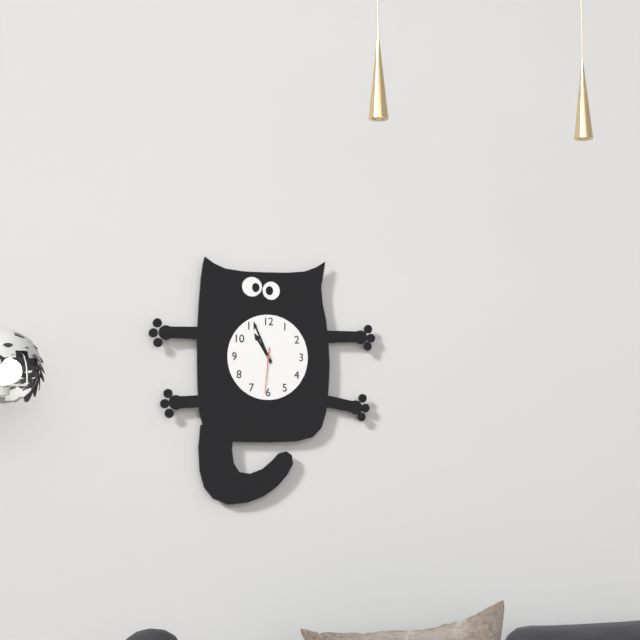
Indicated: 10,56
